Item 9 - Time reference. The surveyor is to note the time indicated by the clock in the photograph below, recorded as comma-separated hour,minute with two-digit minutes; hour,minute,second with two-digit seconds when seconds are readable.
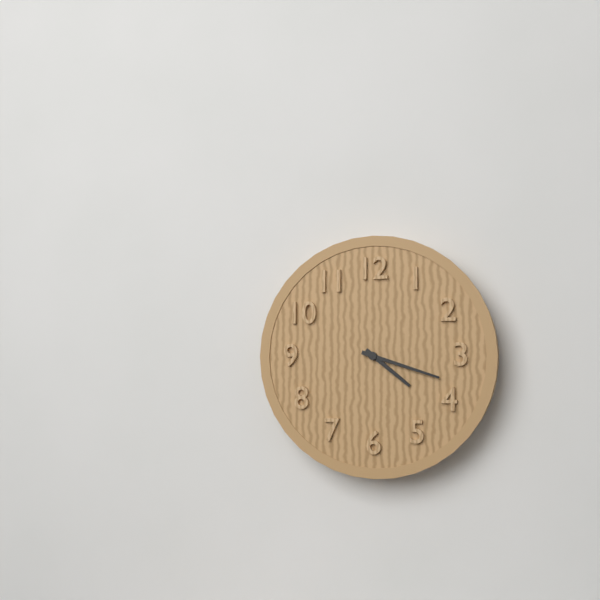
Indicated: 4,18
